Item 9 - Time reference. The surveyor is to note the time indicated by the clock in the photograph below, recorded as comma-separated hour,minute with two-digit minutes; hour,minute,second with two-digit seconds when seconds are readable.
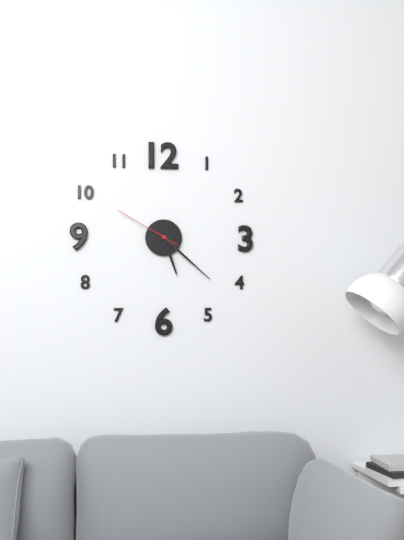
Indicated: 5,22,50
